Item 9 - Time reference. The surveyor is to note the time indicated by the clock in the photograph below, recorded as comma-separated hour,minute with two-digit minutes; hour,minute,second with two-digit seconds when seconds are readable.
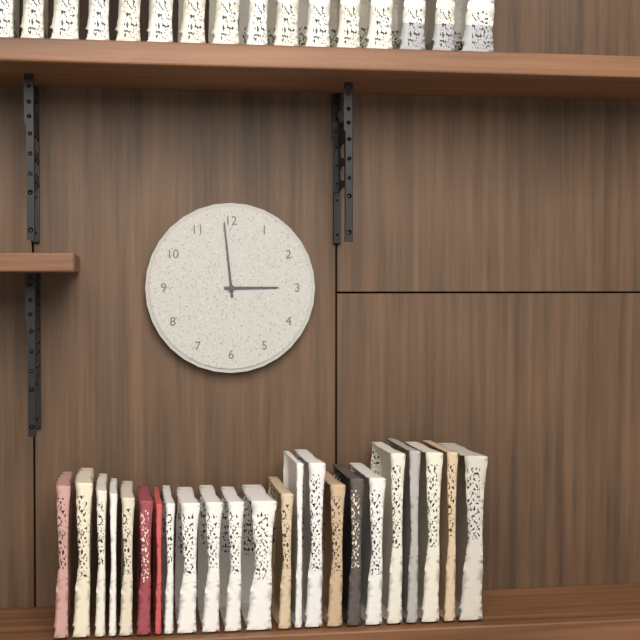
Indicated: 2,59
